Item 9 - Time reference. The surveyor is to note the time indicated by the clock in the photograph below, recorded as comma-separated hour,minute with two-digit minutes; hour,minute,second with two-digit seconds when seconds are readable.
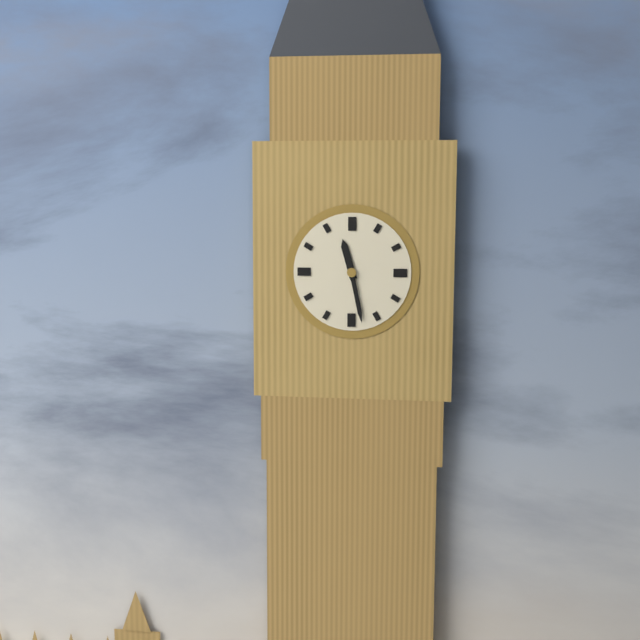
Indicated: 11,28
